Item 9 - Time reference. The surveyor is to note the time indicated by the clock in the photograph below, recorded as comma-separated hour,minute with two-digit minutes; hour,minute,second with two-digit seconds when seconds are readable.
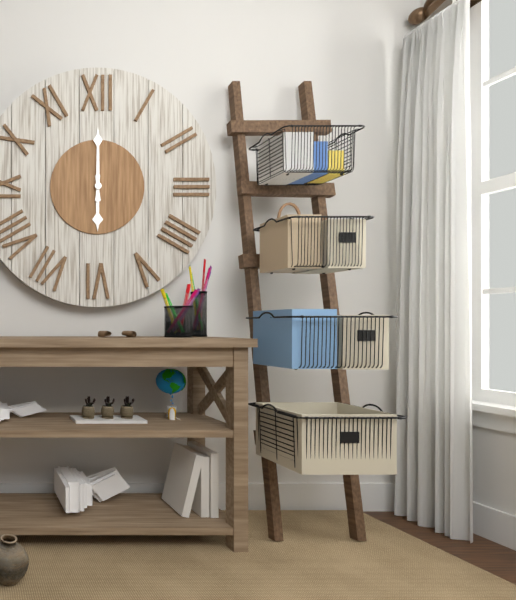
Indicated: 6,00
